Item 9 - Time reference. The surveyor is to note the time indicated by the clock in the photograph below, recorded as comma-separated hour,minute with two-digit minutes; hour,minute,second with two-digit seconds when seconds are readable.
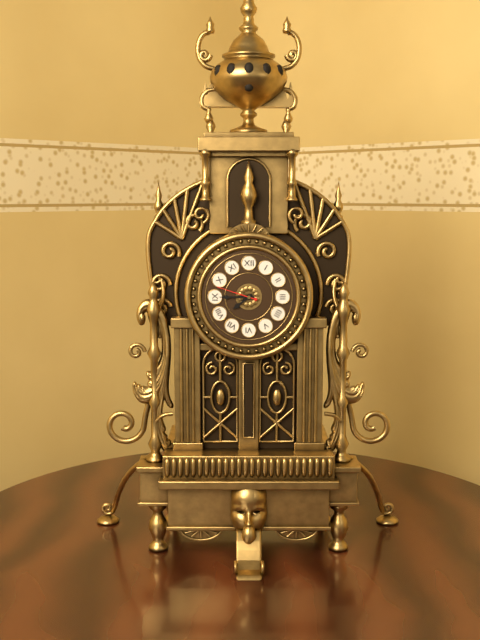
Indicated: 7,45
